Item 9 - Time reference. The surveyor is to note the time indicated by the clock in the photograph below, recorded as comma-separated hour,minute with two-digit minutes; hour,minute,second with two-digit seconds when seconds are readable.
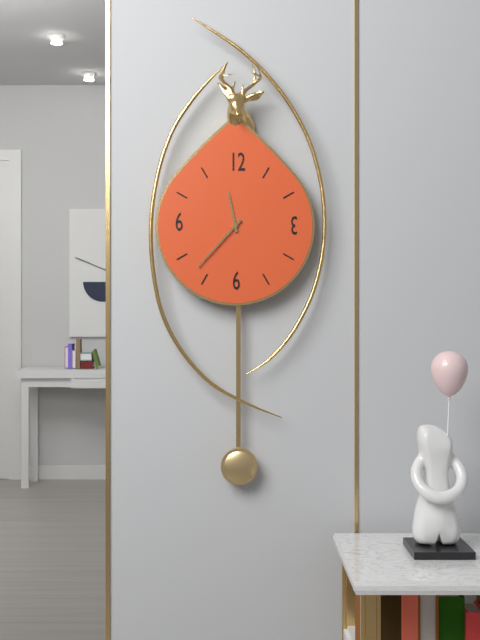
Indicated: 11,37
